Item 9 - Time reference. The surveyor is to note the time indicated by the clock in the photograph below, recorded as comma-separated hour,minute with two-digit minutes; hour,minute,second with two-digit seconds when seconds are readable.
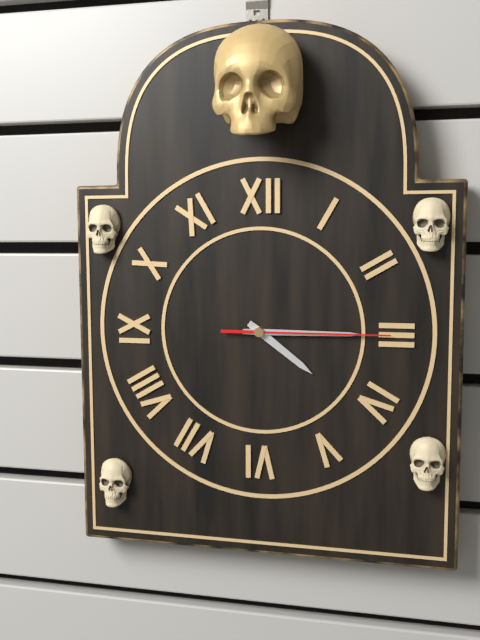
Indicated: 4,15,15
